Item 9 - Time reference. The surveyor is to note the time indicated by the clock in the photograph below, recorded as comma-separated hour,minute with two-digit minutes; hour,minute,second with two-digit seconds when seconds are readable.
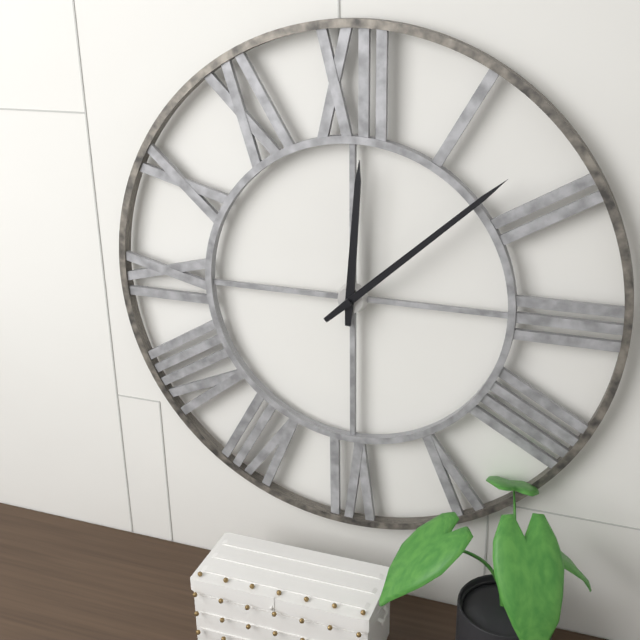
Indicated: 12,08
